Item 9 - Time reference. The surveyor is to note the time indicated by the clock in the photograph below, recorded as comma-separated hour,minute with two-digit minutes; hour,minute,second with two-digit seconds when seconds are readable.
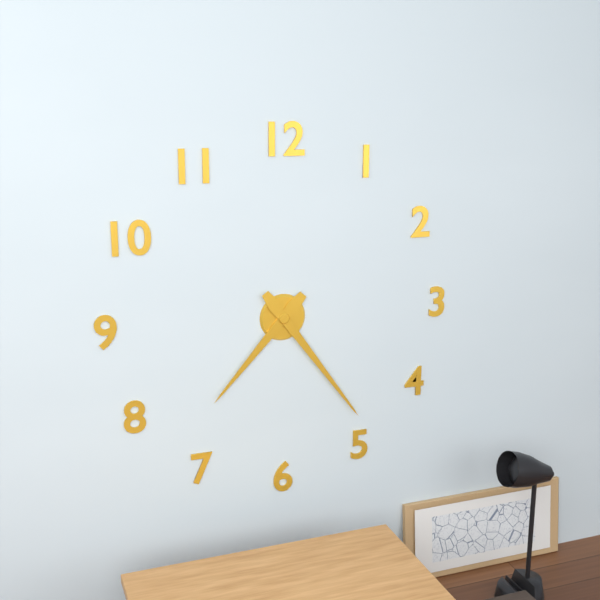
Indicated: 7,24
